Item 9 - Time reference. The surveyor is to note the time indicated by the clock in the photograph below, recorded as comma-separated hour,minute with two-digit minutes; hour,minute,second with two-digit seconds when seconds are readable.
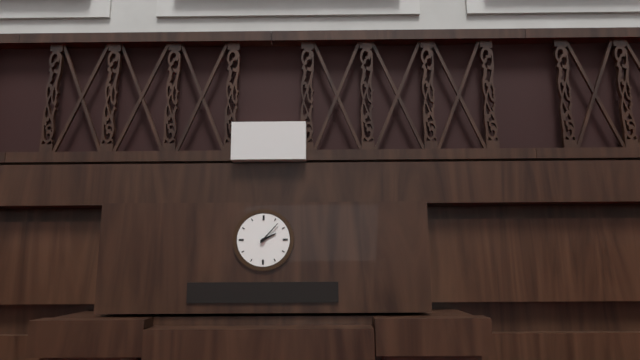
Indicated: 2,07
